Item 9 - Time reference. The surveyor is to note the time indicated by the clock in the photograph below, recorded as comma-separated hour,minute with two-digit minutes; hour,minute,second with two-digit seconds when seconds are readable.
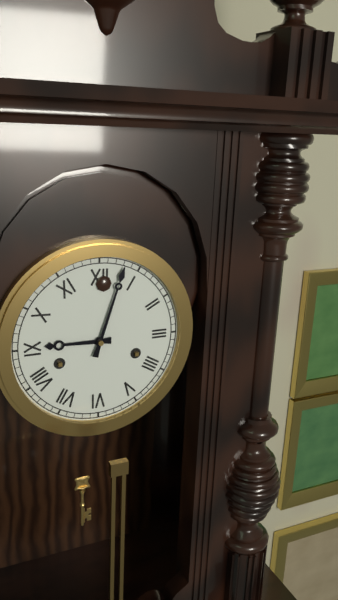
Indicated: 9,03
